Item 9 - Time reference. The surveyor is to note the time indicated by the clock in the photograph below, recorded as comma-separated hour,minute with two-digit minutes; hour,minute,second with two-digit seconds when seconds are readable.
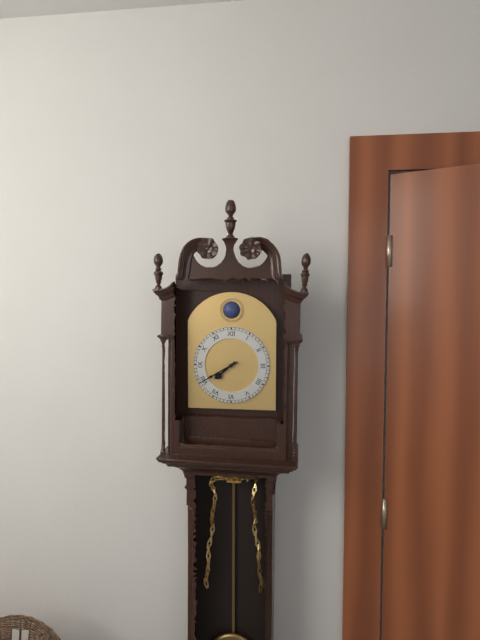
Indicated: 7,40
